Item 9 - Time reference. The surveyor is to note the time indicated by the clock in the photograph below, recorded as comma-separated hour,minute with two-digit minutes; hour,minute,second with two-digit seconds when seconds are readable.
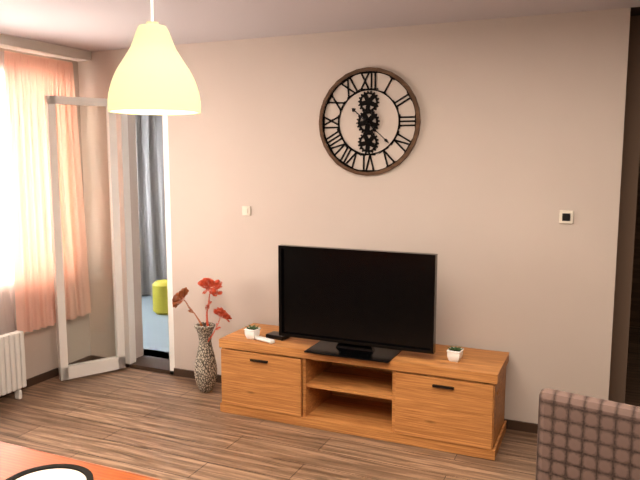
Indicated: 10,22
